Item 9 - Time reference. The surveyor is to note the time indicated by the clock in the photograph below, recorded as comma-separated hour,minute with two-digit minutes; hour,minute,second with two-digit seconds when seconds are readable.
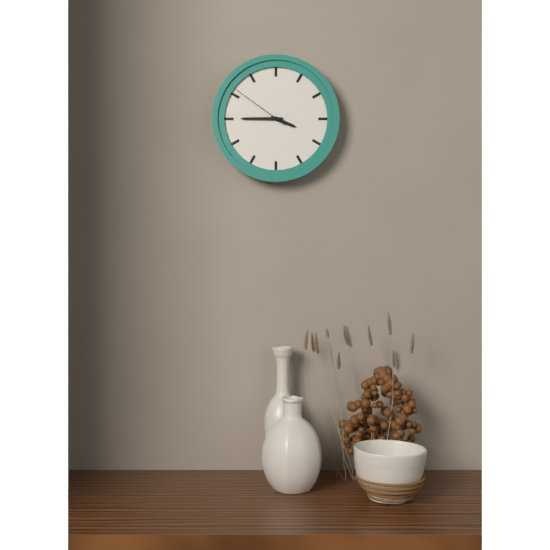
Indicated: 3,45,51
